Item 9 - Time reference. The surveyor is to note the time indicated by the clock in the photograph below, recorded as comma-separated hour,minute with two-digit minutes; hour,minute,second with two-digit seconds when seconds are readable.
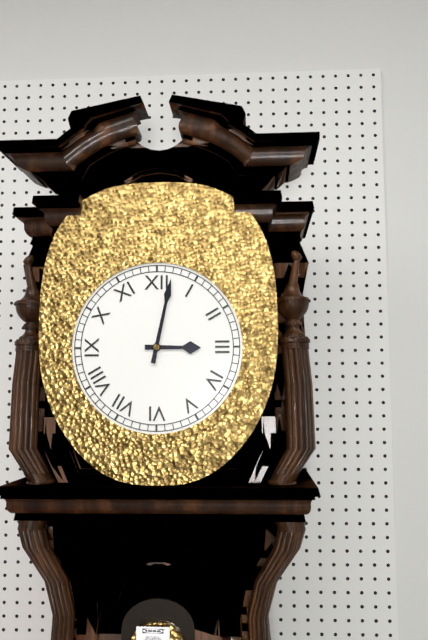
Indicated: 3,02
